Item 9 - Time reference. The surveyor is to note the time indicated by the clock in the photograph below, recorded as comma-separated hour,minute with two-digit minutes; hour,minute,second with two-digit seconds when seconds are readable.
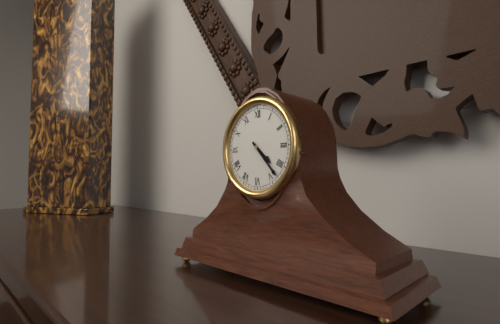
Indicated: 4,23
